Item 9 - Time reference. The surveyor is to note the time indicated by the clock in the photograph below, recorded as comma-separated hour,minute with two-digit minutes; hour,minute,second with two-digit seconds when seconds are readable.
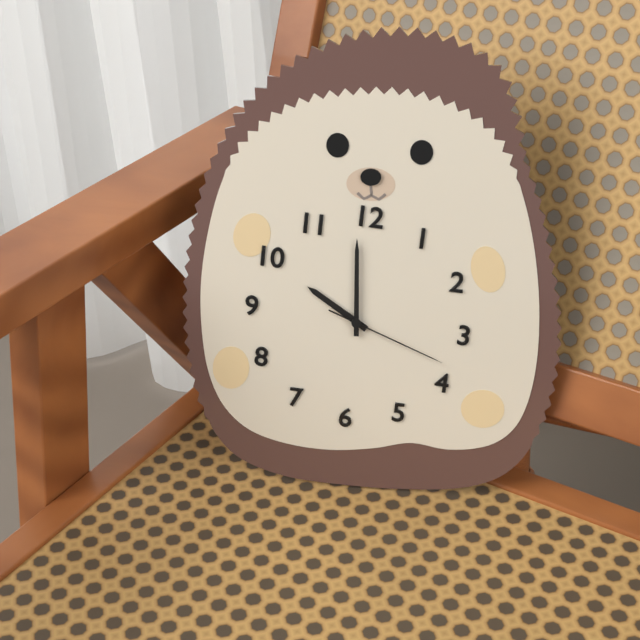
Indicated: 9,59,18
